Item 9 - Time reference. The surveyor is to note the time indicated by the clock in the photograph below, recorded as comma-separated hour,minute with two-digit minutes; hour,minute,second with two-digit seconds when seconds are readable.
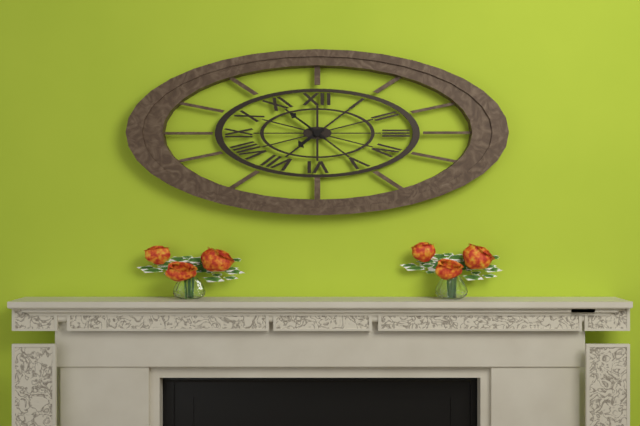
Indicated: 7,51
